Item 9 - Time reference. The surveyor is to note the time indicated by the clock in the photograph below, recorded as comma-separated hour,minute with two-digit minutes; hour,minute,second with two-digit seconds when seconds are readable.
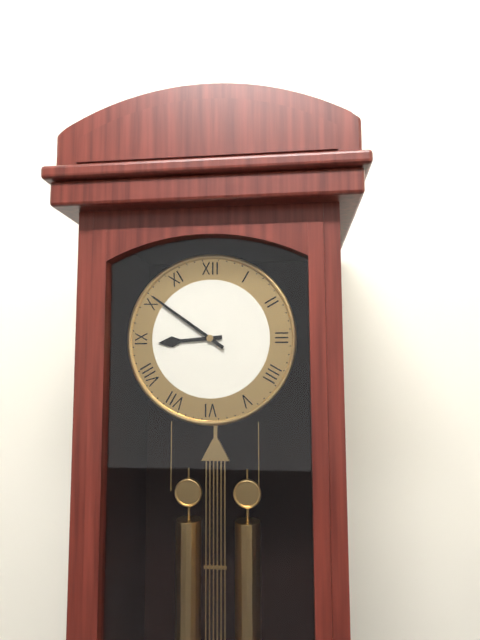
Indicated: 8,51
